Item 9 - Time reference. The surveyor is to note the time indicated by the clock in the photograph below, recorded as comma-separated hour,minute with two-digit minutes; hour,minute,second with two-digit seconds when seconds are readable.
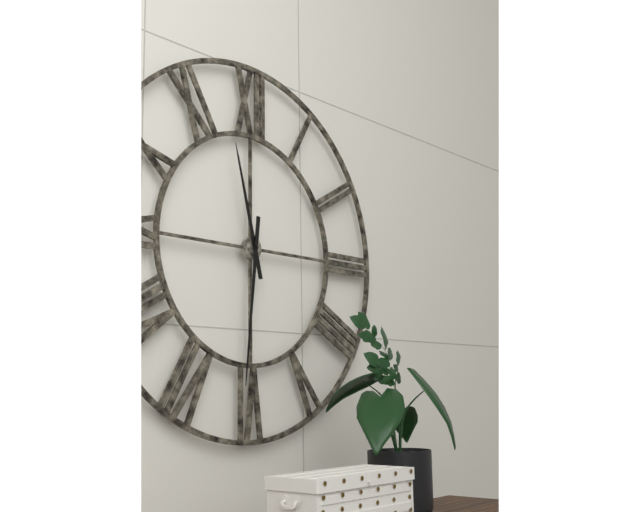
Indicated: 11,31
